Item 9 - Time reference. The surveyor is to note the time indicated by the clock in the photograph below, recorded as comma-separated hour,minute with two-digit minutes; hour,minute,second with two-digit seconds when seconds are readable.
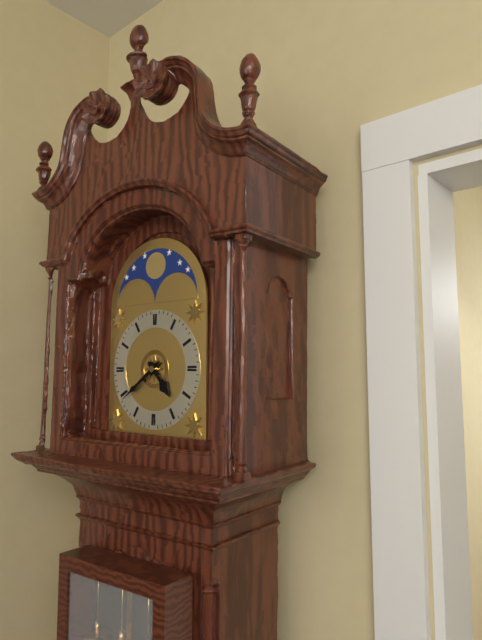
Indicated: 4,39
